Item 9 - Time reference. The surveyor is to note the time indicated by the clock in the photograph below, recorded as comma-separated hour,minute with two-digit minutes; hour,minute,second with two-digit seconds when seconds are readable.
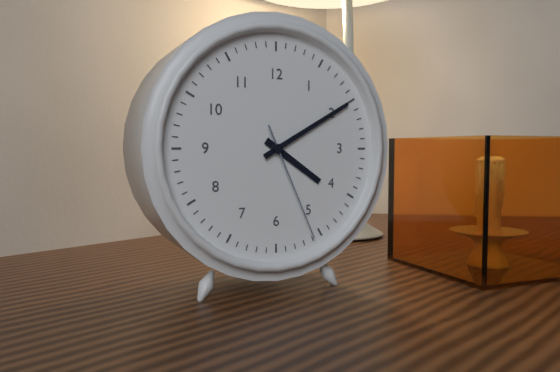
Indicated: 4,10,26
